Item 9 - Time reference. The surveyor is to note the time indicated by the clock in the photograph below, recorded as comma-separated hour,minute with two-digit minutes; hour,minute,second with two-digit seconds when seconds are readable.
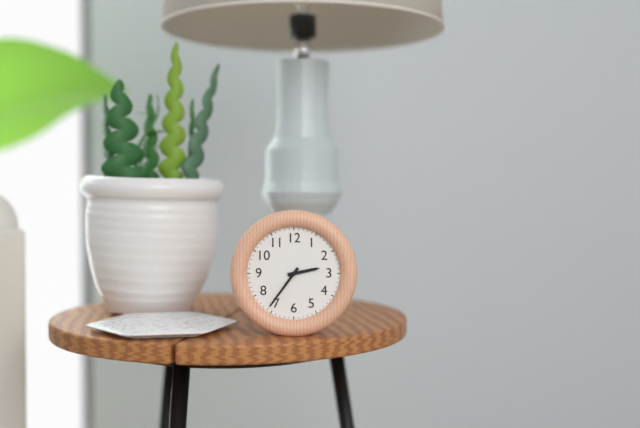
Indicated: 2,36
